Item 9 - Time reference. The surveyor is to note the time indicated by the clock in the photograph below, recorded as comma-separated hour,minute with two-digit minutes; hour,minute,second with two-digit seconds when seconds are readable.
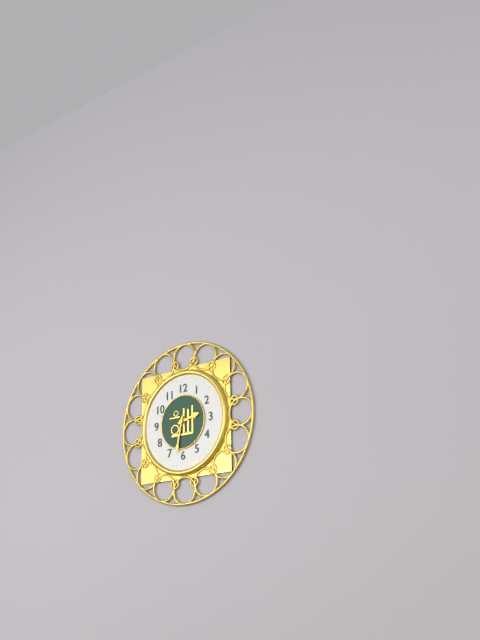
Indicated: 2,32
